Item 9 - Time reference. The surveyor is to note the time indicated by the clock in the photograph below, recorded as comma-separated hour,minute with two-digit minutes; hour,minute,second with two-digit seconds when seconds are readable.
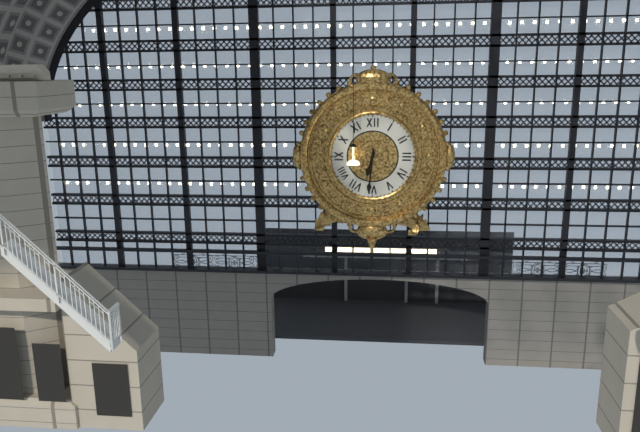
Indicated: 6,31
